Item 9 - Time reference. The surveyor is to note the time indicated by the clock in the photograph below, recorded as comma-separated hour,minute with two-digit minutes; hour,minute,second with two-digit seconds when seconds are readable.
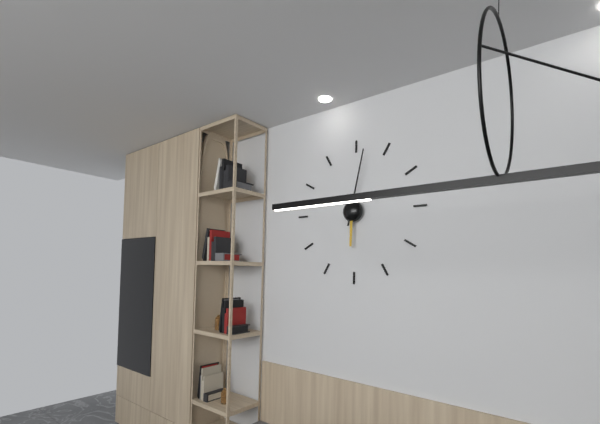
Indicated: 6,02
